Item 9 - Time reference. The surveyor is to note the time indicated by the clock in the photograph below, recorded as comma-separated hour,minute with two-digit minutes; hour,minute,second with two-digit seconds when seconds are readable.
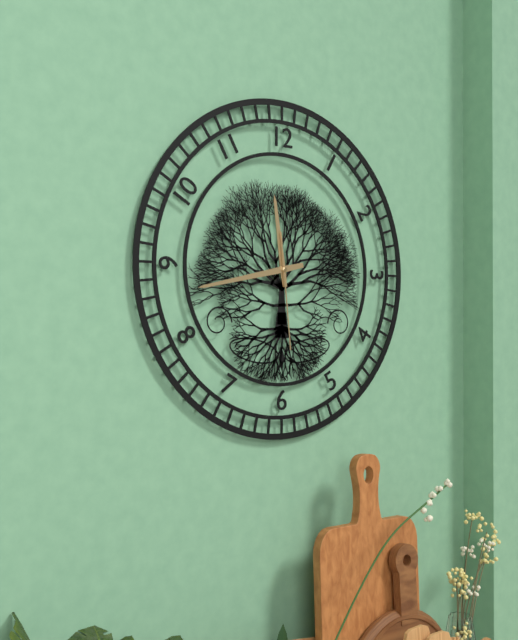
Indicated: 11,43,29
